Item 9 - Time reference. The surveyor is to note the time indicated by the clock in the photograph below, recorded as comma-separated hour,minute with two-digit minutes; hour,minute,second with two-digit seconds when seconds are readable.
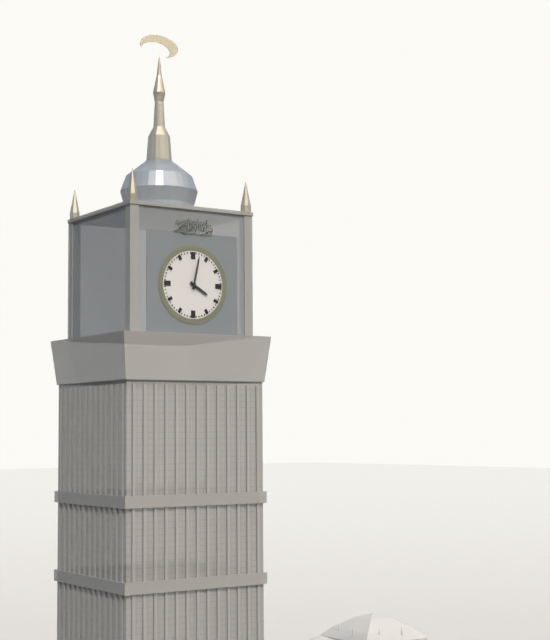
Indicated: 4,02
